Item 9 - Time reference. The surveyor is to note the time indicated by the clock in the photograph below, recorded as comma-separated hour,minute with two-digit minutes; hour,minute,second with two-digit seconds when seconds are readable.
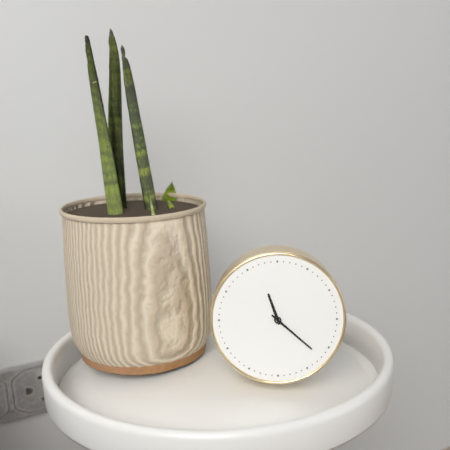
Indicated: 11,22
